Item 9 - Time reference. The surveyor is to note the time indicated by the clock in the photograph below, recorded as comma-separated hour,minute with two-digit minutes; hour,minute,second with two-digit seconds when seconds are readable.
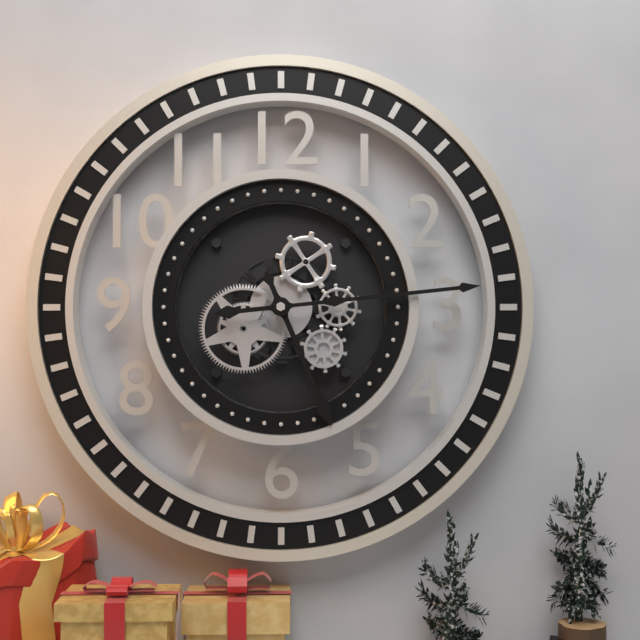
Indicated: 5,14
